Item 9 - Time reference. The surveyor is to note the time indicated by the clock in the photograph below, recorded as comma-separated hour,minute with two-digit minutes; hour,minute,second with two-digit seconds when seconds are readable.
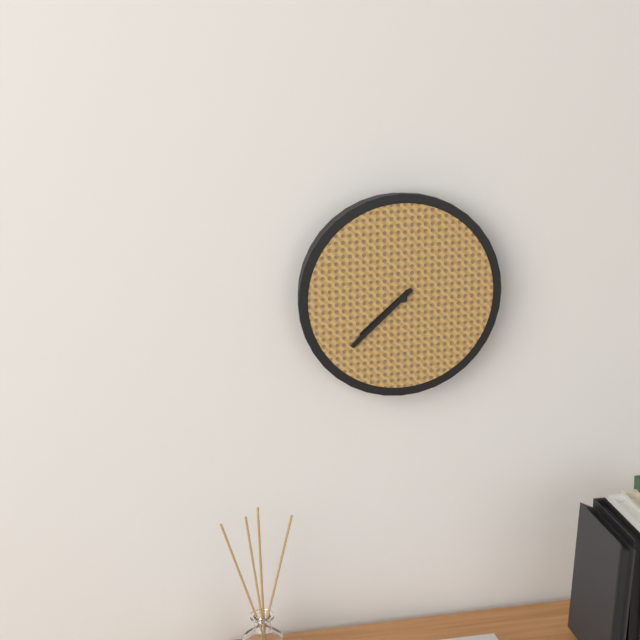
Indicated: 7,38
